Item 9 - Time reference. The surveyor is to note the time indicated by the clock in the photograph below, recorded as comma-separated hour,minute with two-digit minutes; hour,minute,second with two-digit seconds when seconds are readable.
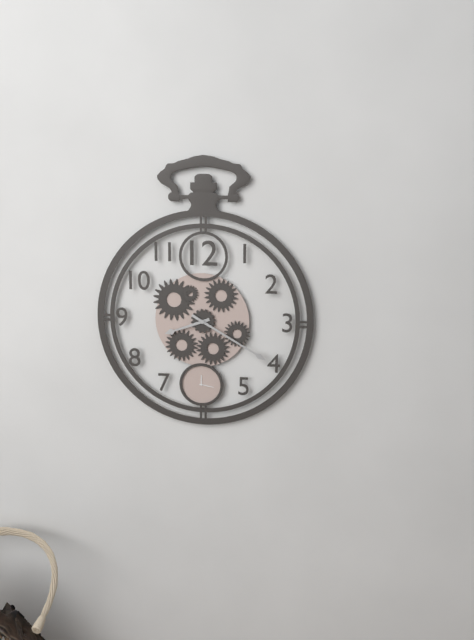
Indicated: 8,20
